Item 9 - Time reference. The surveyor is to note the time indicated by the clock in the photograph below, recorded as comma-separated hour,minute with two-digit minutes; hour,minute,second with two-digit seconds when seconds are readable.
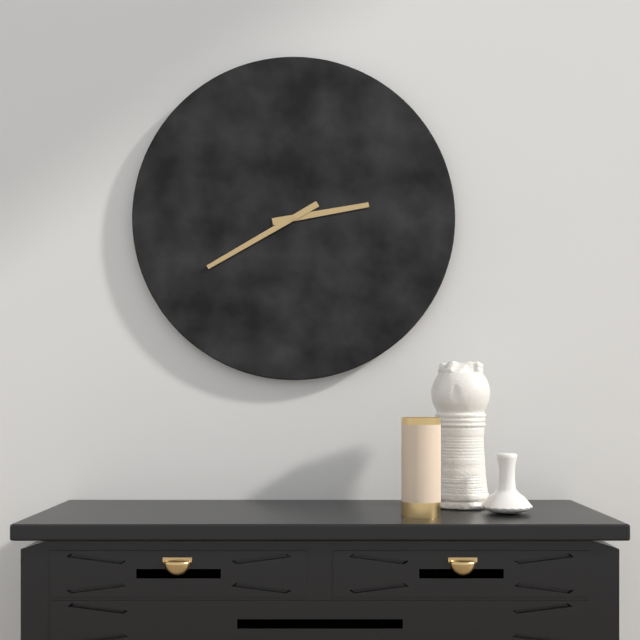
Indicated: 2,40
